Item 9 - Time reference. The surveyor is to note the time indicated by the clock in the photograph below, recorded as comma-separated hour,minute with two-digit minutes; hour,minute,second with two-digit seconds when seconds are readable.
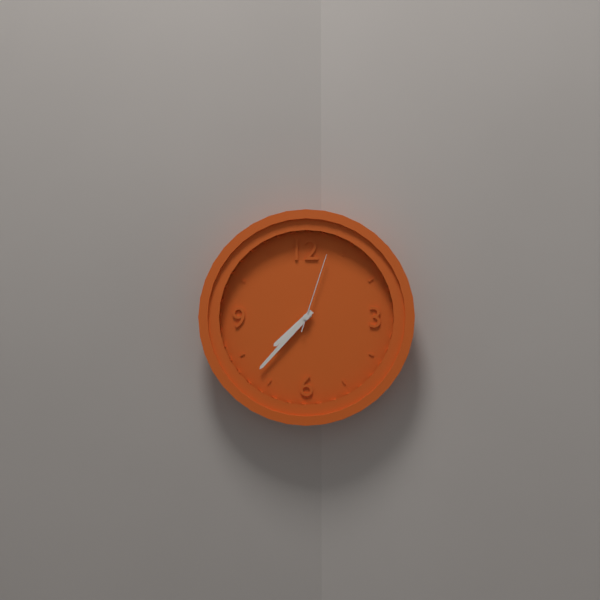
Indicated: 7,37,03
